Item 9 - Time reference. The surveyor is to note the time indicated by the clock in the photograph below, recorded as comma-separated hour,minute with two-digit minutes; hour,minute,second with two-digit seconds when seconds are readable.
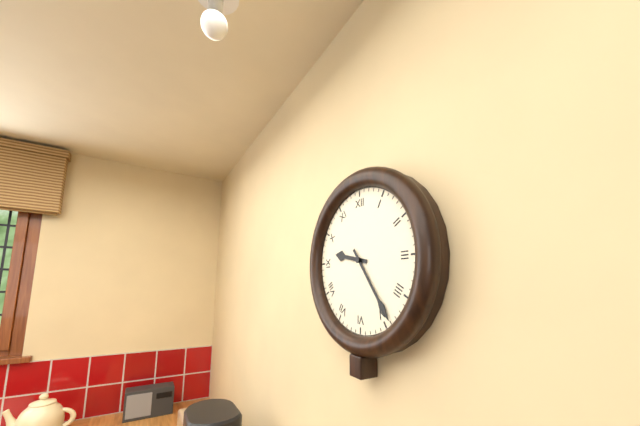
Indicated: 9,24
